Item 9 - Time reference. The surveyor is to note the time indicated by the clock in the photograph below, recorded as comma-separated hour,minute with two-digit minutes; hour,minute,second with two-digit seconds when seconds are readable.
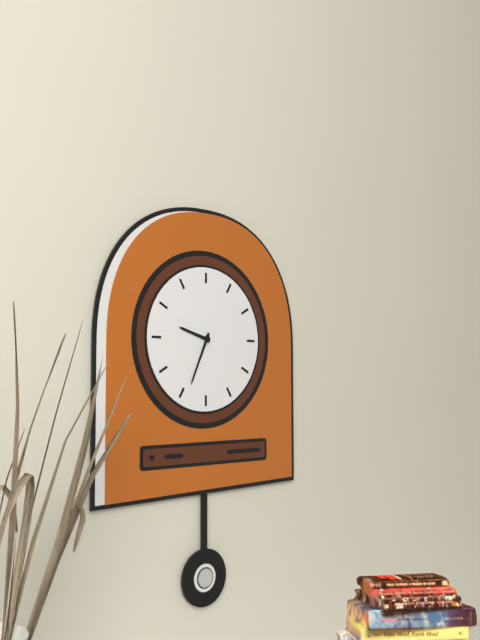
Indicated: 9,34
